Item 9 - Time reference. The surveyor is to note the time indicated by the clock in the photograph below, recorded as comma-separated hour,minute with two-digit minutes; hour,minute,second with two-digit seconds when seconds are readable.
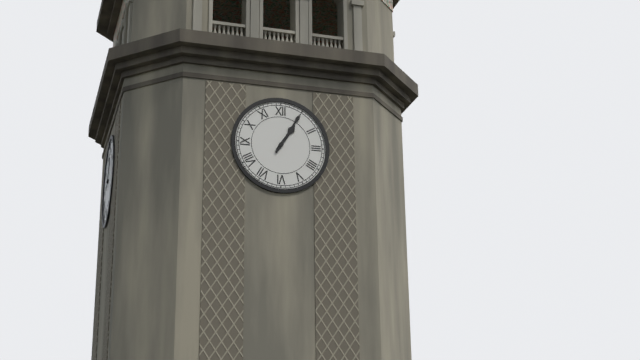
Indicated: 1,05
